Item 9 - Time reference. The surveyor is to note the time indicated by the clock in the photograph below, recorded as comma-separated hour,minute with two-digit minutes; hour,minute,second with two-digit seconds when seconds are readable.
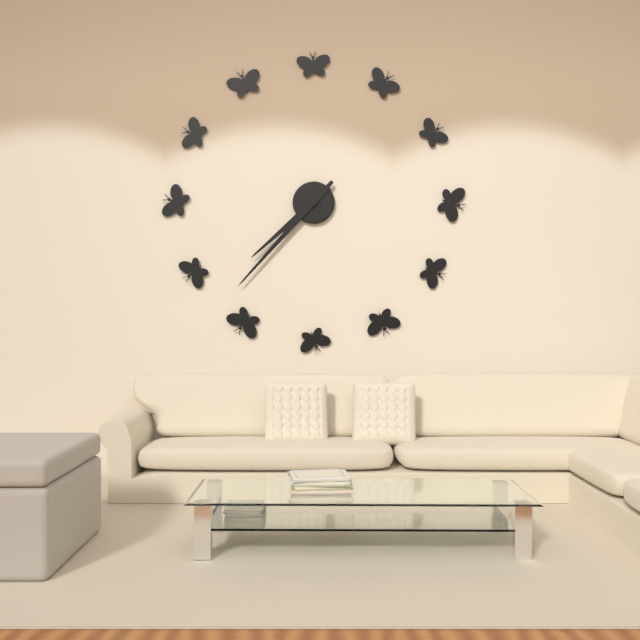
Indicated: 7,37
